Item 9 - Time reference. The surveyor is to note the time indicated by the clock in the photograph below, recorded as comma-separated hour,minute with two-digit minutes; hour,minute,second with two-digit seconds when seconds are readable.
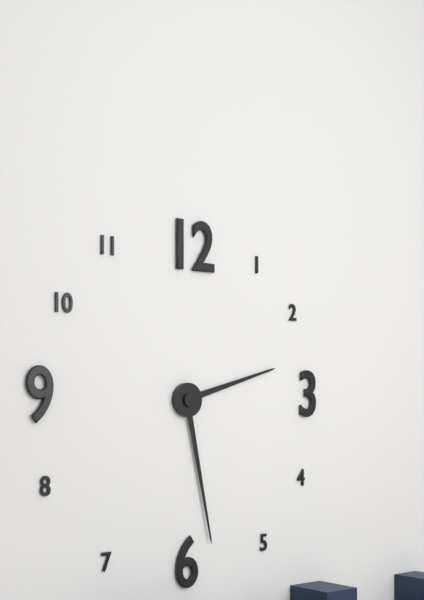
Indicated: 2,28
